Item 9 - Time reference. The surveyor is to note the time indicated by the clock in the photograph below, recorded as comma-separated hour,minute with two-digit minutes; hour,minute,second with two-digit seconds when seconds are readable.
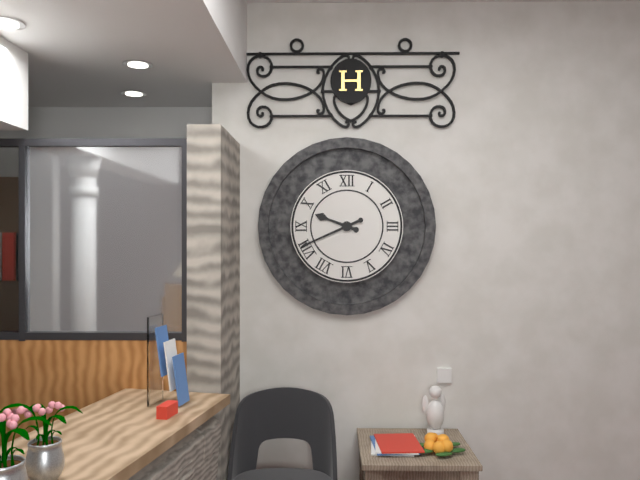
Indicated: 9,41
